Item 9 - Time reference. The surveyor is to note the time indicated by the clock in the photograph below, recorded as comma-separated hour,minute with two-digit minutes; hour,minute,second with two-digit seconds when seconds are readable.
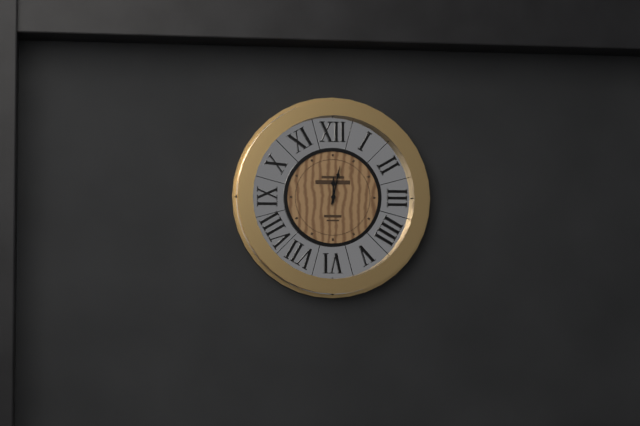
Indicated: 12,02
